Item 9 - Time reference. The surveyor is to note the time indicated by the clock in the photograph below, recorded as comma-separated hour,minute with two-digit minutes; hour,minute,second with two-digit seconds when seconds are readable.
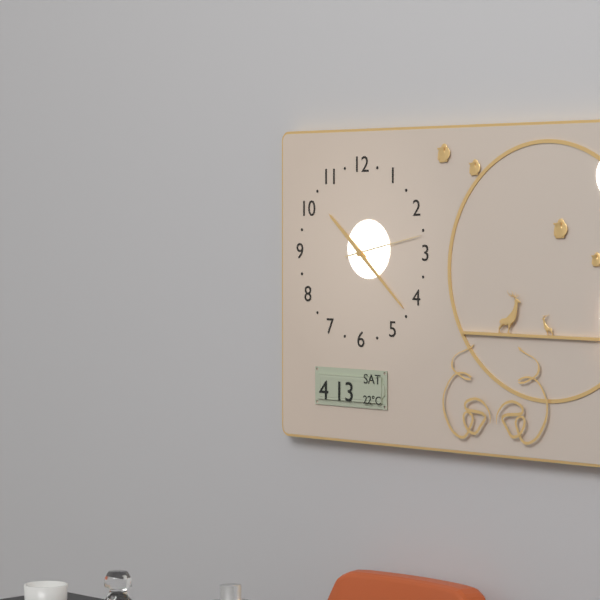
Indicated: 10,22,13
